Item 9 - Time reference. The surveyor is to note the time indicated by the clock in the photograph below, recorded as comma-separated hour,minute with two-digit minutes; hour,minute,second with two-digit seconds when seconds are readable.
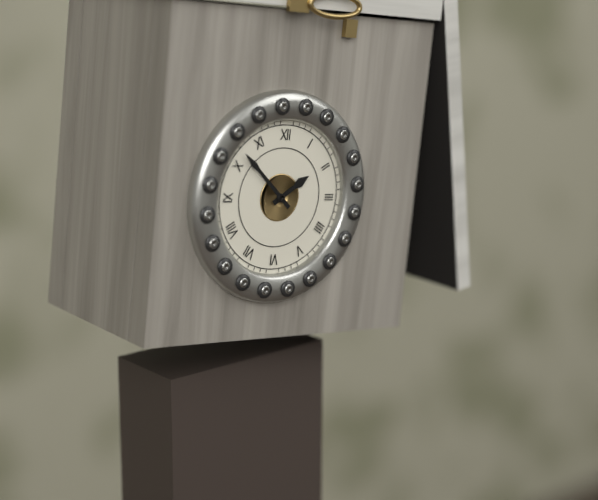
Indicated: 1,52
